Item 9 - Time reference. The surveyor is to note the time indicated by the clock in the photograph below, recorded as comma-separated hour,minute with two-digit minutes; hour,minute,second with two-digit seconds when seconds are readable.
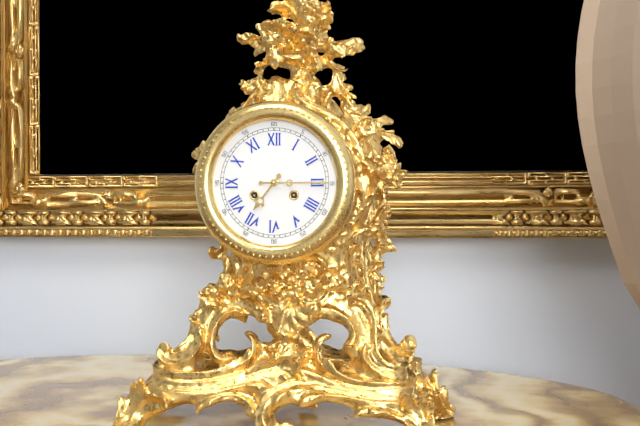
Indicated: 7,15
